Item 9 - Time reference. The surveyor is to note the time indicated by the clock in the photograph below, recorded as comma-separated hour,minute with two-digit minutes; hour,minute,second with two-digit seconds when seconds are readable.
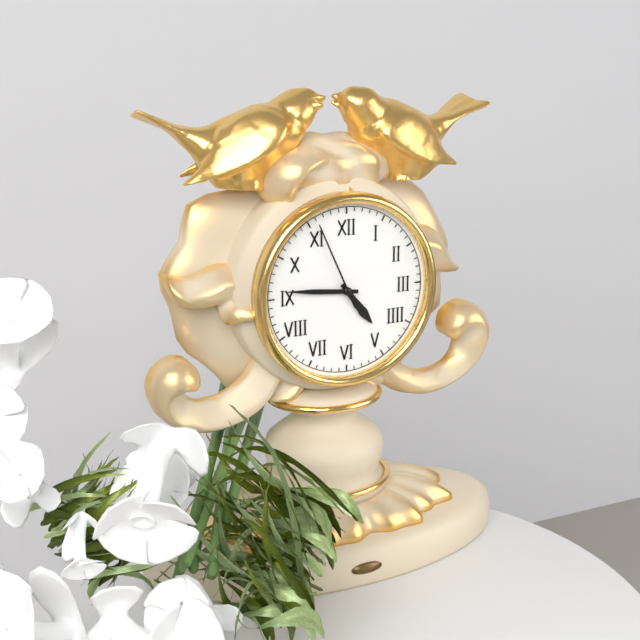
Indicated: 4,46,56
